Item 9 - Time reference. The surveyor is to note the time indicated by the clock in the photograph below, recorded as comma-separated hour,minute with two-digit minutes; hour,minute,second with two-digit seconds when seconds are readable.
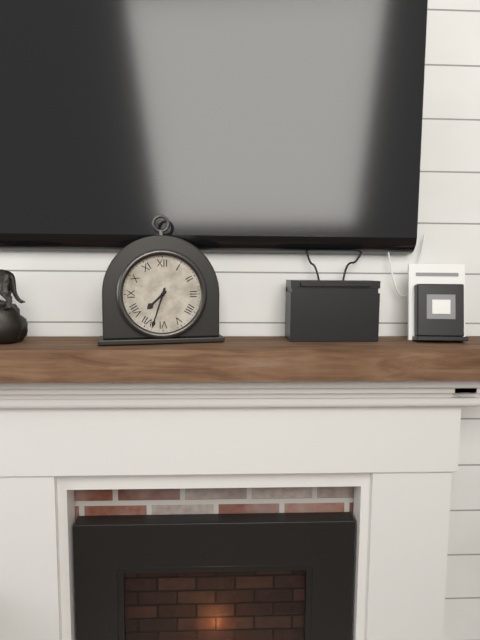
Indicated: 7,33
